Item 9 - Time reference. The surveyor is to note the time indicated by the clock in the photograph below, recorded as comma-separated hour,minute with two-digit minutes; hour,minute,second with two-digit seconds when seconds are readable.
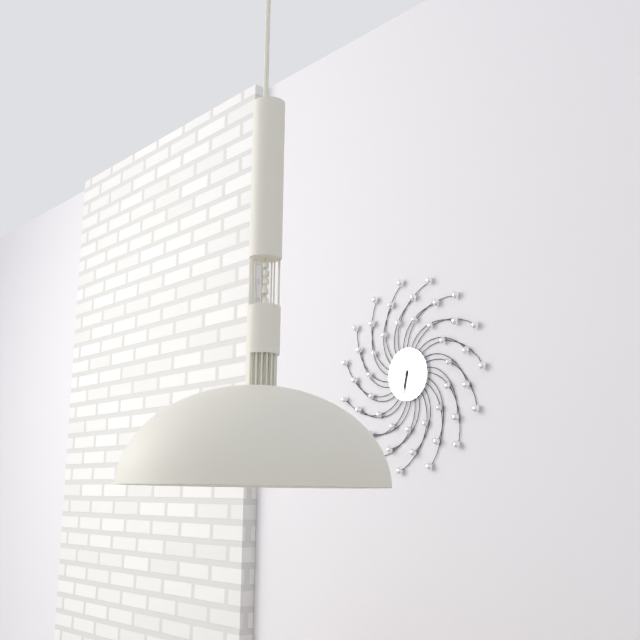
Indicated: 6,32
